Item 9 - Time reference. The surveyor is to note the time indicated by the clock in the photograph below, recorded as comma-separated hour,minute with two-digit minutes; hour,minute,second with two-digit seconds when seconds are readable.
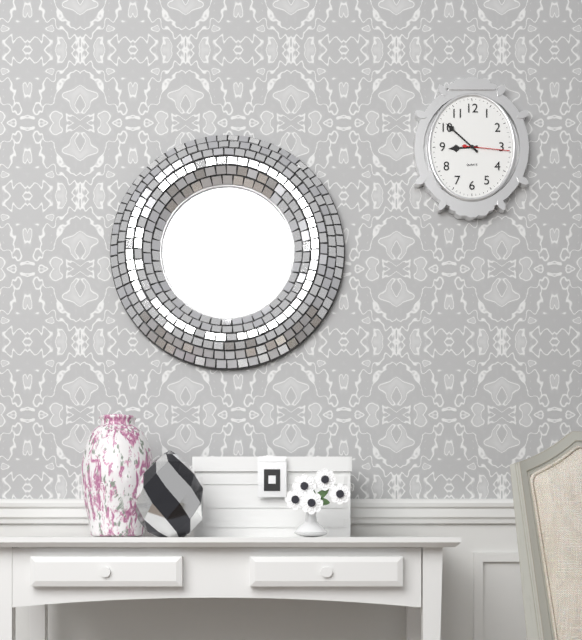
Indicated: 8,52
